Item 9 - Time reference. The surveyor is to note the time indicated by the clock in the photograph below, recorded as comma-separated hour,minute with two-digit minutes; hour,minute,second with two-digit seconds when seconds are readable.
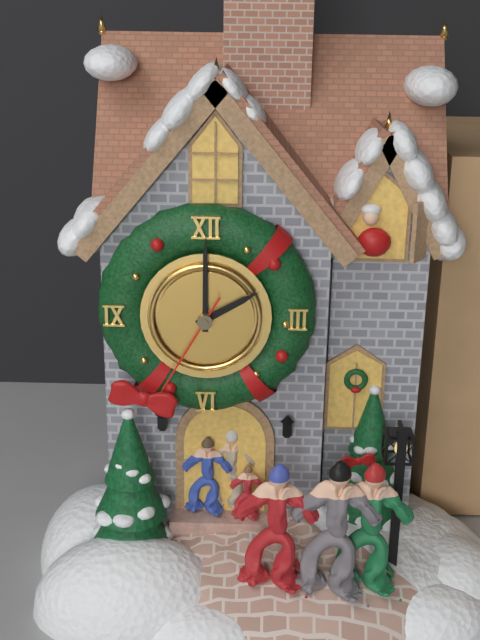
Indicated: 2,00,35
